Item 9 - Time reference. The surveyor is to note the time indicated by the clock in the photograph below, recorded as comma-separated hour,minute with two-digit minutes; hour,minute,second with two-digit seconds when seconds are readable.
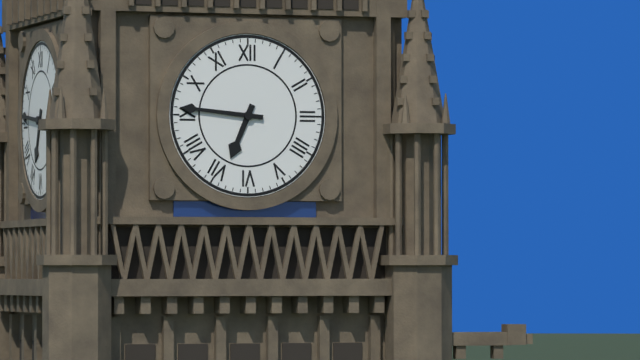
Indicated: 6,46
